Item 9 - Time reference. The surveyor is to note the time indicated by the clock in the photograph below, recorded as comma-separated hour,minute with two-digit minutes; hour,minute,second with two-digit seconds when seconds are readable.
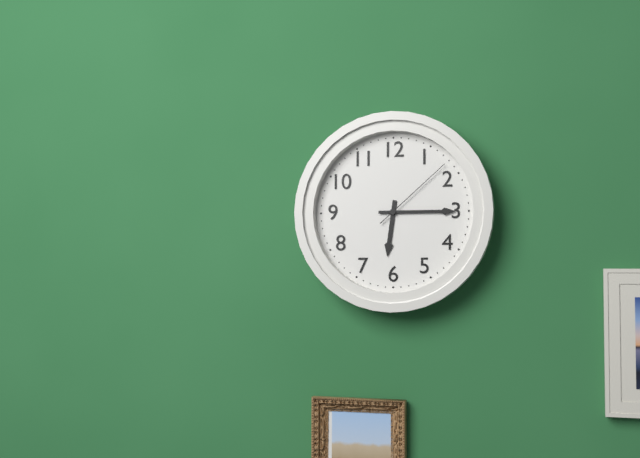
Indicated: 6,15,08
